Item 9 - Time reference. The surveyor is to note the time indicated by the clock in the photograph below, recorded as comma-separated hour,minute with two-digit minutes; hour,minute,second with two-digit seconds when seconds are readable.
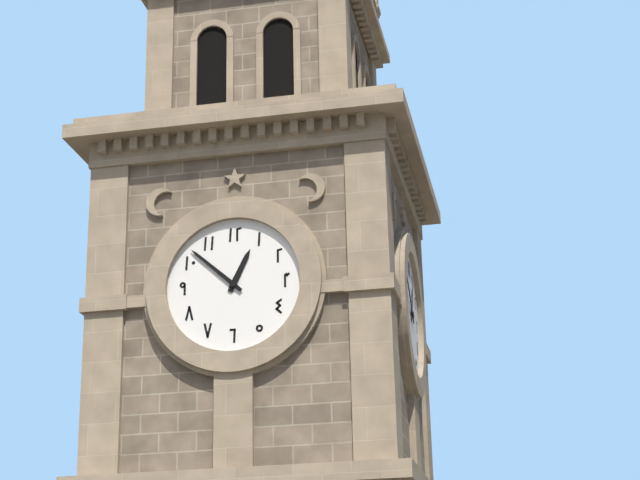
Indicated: 12,52
